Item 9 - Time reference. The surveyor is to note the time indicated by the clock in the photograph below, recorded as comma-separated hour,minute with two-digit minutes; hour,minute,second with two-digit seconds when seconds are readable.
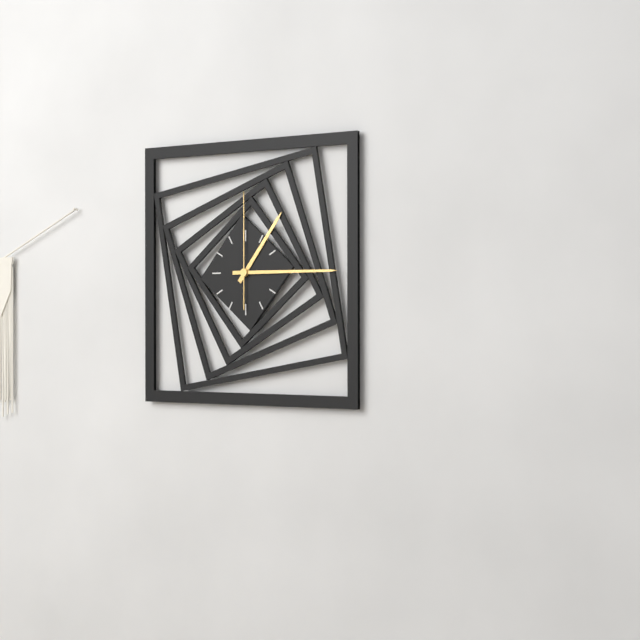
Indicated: 1,15,00
